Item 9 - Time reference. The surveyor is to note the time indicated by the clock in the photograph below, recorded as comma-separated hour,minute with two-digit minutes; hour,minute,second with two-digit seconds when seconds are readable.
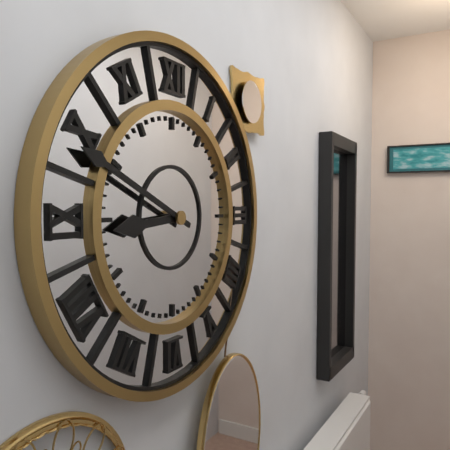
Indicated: 8,49
